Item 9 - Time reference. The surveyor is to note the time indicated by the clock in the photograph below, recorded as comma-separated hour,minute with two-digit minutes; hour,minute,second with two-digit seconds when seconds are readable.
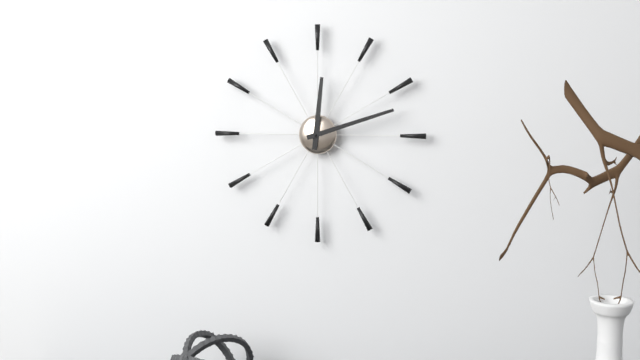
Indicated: 12,12
